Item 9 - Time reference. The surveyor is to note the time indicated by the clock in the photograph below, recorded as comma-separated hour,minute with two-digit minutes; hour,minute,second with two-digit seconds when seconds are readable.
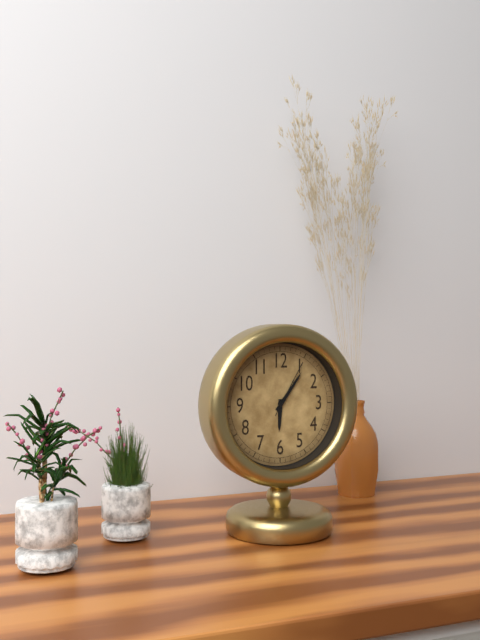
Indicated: 6,06,05
